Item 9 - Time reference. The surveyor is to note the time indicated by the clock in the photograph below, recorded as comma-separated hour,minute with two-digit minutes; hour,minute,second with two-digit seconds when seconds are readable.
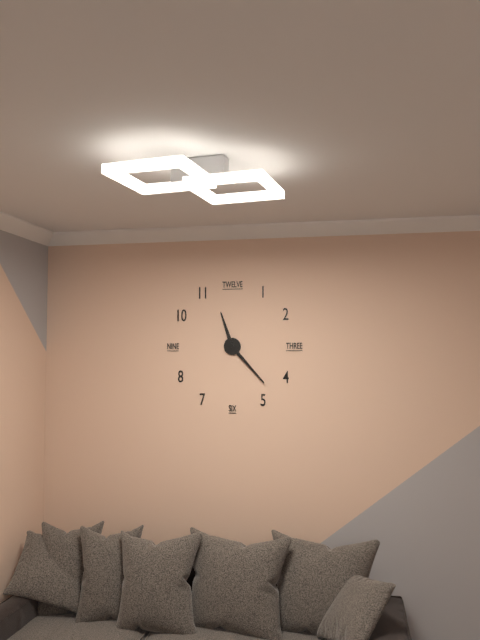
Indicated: 11,23
